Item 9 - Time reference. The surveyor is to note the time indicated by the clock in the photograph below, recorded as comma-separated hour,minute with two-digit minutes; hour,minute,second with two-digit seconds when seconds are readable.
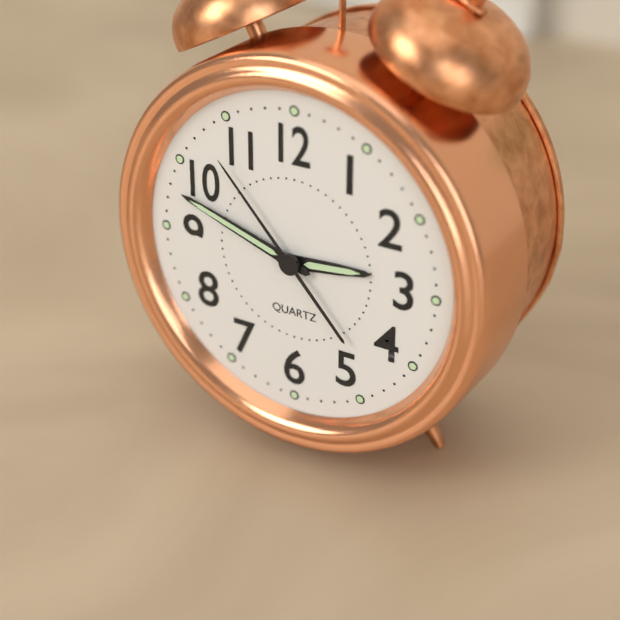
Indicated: 2,48,53
